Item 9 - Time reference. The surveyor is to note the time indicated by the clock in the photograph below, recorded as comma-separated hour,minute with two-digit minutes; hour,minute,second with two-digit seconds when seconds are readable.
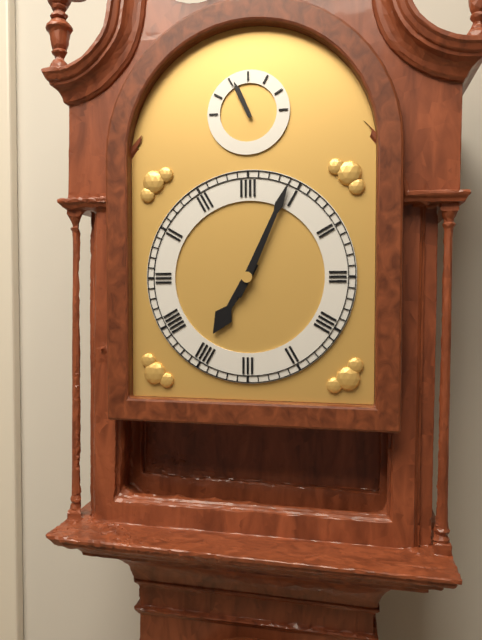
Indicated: 7,04
